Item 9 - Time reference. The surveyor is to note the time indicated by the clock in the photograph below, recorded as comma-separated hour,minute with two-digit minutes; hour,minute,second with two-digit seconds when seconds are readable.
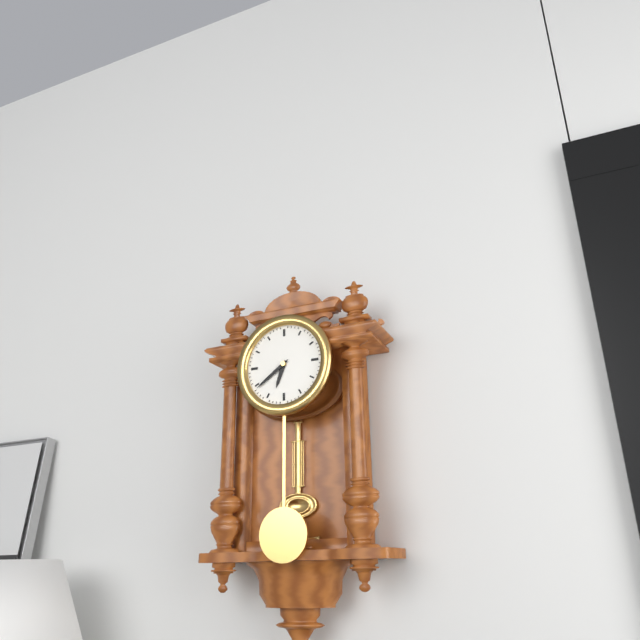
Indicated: 6,39
